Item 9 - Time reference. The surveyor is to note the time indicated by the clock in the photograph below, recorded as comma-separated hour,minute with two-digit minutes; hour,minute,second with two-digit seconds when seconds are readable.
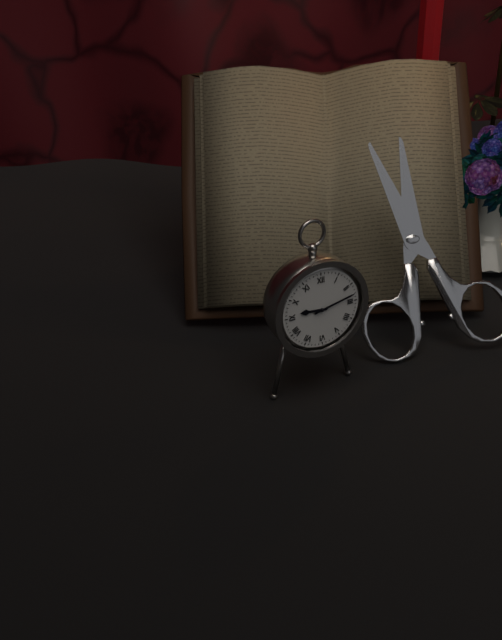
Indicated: 9,13
